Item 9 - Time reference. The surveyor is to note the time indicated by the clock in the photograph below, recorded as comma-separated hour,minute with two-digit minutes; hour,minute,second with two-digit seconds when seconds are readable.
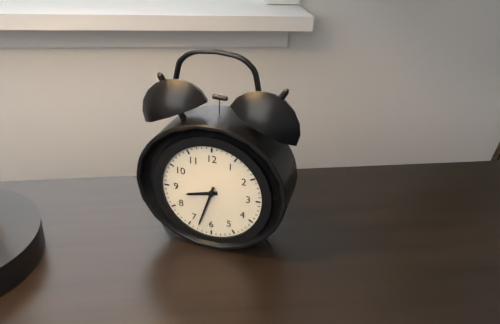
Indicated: 8,33
